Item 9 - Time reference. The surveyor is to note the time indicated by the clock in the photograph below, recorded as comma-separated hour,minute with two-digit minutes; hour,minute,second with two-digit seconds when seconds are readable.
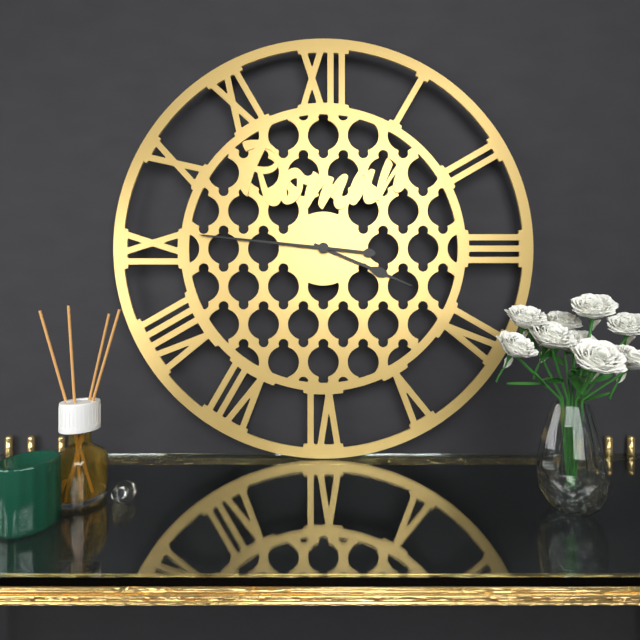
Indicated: 3,46
